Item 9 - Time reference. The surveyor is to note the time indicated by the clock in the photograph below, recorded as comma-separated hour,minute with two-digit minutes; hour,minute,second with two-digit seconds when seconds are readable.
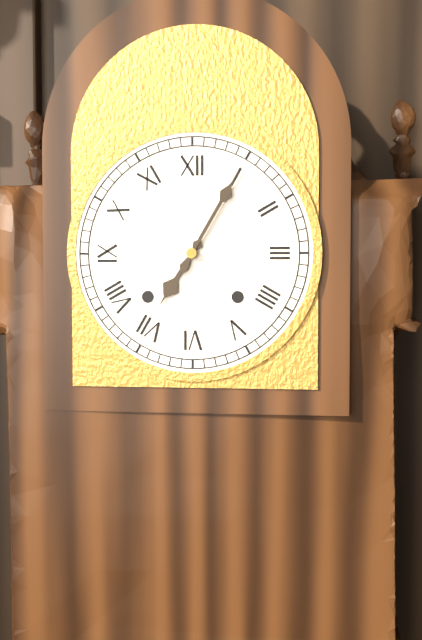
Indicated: 7,05
